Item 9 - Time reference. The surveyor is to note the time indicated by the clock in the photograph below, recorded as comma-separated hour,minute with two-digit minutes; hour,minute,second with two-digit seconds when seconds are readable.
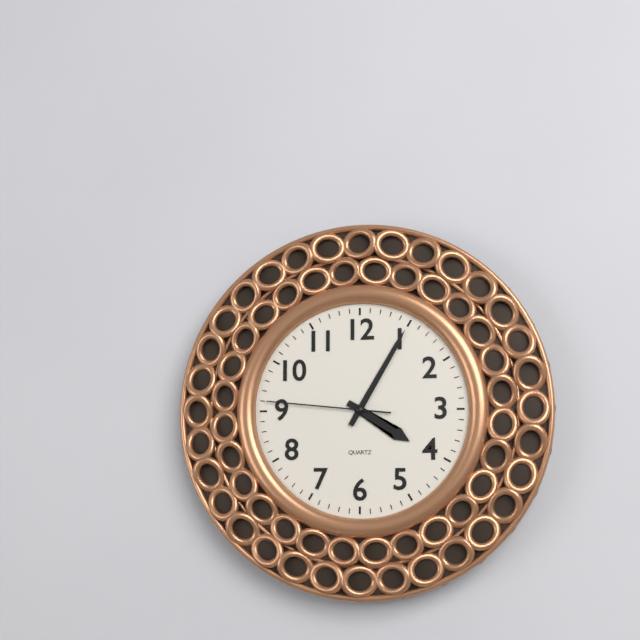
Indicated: 4,05,46
